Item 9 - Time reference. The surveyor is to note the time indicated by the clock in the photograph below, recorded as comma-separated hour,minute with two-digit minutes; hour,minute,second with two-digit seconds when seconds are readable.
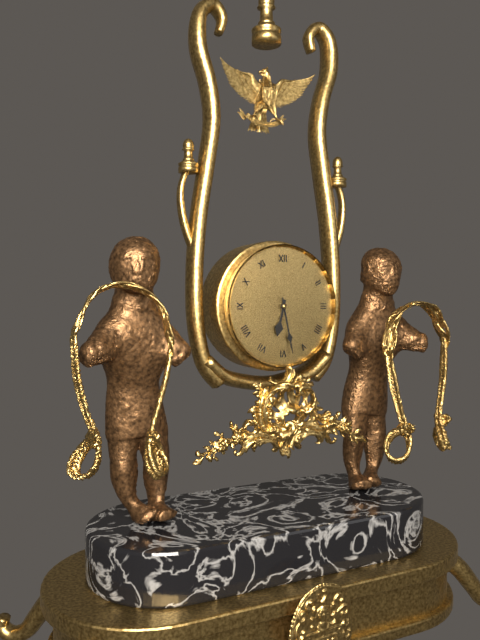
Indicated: 6,28
